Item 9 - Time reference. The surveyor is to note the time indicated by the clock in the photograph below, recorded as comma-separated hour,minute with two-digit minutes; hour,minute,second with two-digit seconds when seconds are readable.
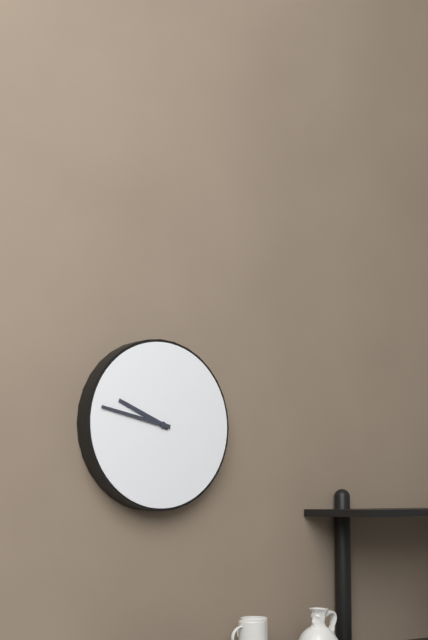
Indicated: 9,47
